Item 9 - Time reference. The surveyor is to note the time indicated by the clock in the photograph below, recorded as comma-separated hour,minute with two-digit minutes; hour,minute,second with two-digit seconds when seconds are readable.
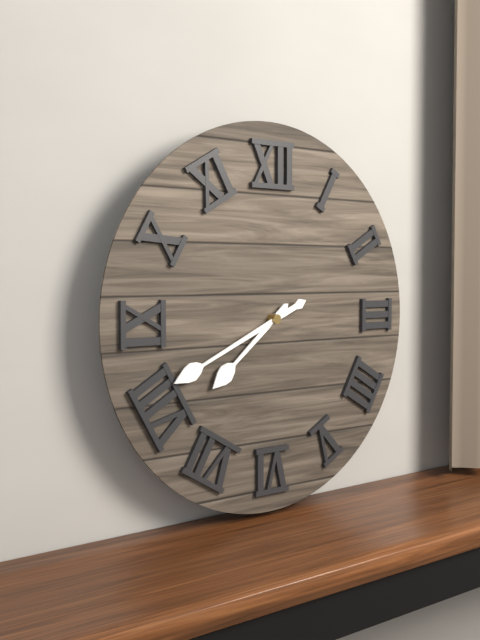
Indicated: 7,41
